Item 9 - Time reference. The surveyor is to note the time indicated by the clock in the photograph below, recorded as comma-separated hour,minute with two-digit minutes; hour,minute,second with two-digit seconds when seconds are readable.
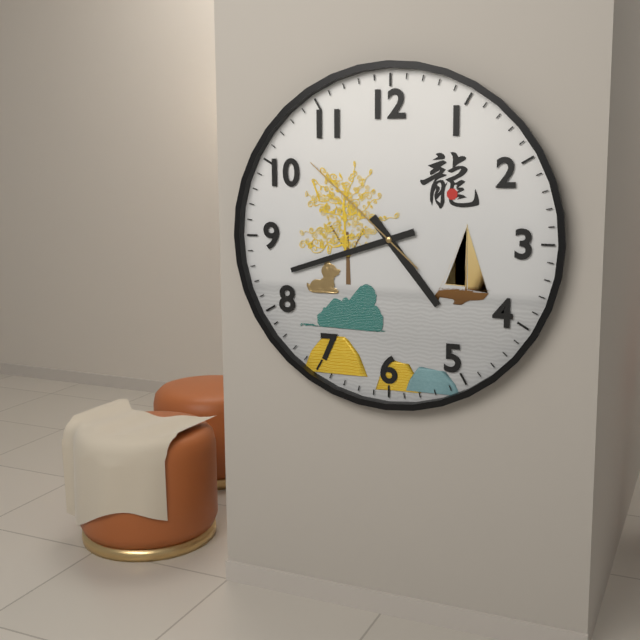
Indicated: 4,42,52
